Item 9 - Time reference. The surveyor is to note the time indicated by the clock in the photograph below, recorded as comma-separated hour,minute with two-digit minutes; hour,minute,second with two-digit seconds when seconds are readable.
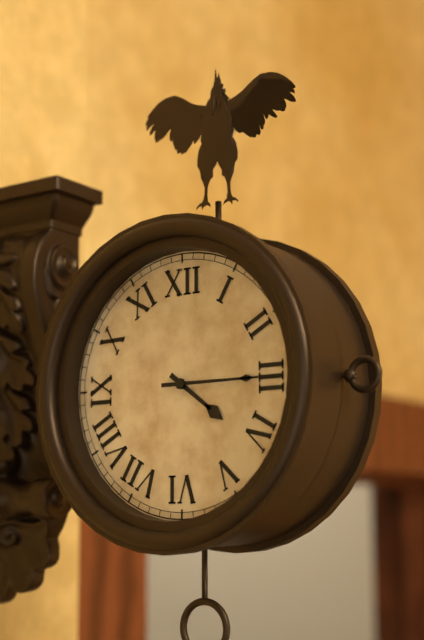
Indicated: 4,15
